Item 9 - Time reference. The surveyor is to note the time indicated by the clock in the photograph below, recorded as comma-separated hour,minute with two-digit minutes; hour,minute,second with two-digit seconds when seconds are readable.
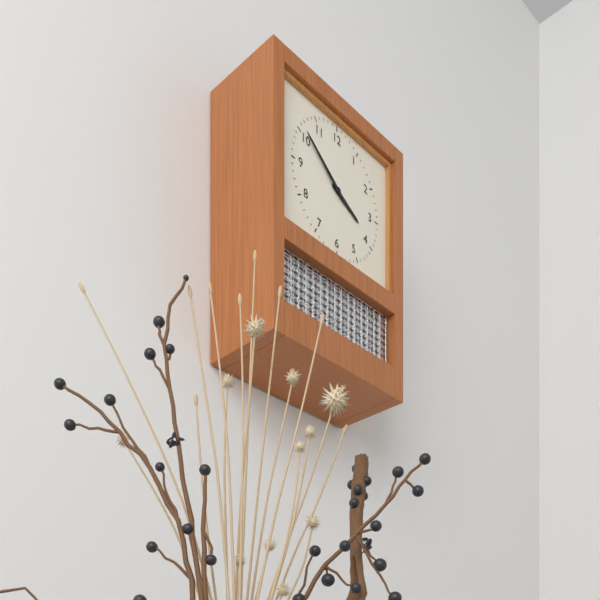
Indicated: 3,51
